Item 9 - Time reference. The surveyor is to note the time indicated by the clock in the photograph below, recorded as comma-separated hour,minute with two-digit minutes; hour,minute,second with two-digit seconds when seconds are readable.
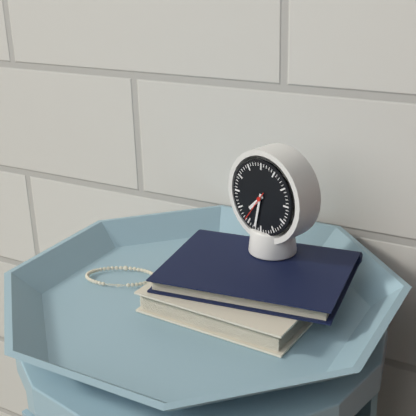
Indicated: 7,32
